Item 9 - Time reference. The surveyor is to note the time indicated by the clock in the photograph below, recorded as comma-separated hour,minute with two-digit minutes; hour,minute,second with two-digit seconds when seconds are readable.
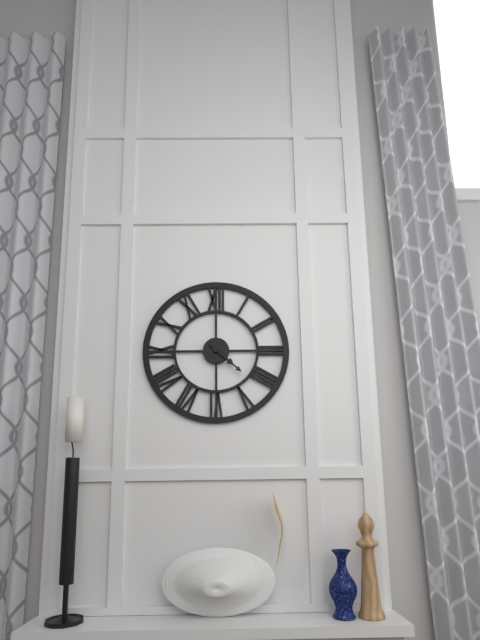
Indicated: 4,22
